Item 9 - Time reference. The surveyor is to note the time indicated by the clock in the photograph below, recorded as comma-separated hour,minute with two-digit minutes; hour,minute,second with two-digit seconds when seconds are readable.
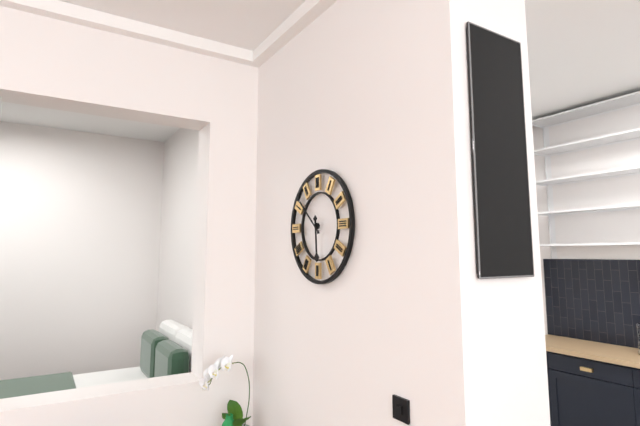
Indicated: 5,52
